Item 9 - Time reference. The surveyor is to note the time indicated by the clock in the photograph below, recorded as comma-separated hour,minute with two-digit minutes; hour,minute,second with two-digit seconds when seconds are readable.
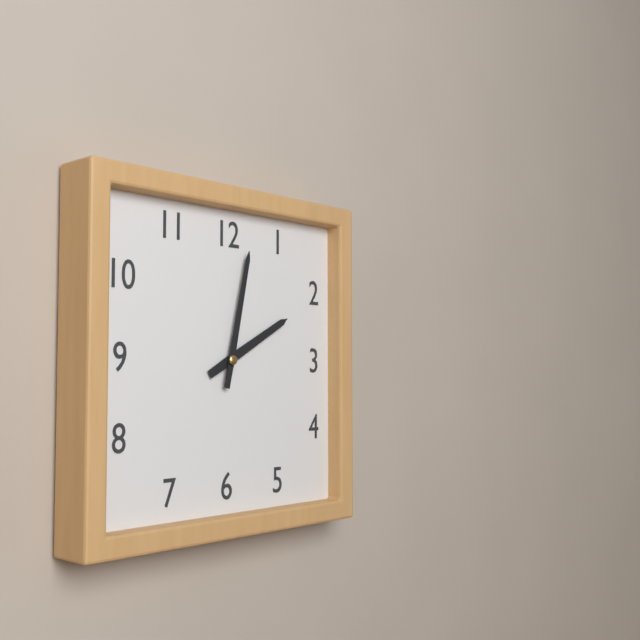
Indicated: 2,02
